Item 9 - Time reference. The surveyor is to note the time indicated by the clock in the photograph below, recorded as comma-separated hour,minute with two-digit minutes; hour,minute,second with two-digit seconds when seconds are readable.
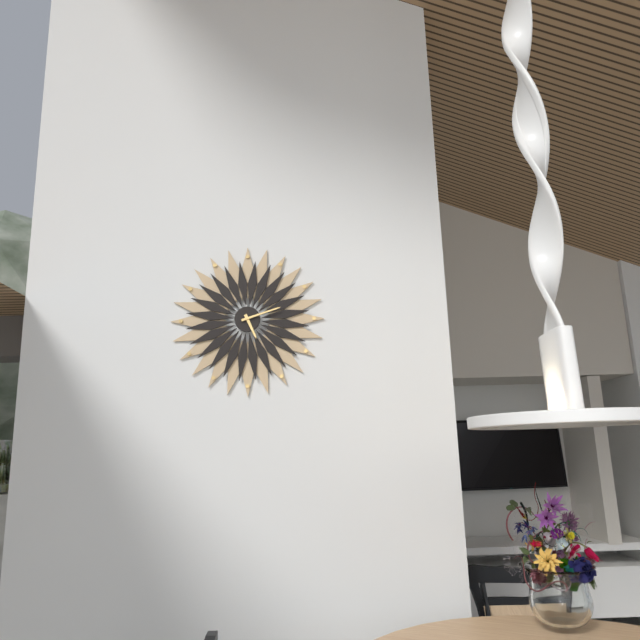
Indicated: 5,12
